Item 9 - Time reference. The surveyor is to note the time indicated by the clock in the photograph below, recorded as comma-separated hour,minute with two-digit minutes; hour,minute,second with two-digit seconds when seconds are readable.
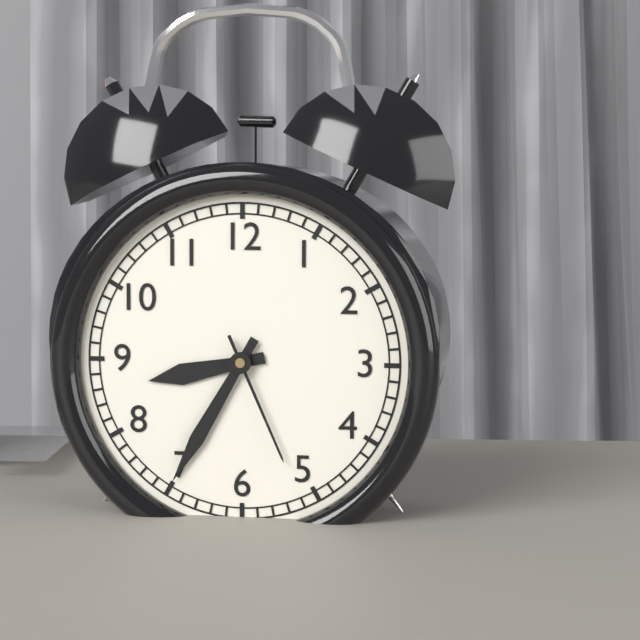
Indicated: 8,35,26
